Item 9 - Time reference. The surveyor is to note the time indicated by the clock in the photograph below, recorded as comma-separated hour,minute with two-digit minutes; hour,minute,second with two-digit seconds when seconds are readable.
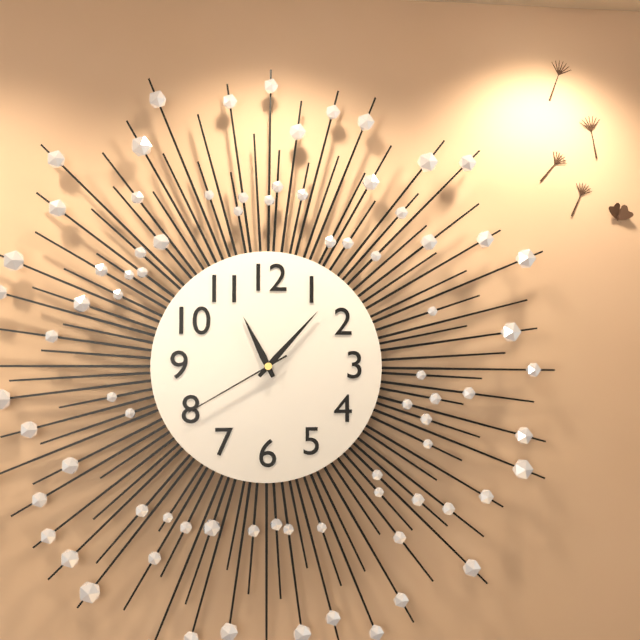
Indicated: 11,07,40
